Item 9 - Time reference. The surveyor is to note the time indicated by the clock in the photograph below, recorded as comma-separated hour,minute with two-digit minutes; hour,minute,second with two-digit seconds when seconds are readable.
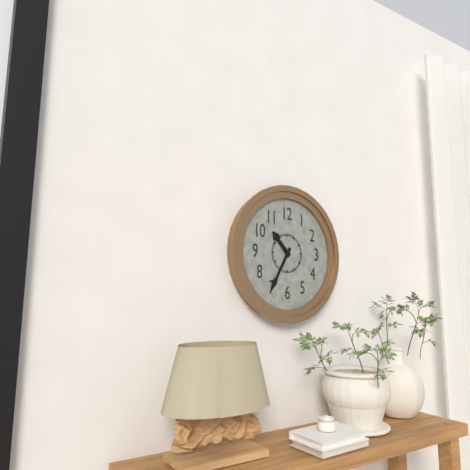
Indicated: 10,35
